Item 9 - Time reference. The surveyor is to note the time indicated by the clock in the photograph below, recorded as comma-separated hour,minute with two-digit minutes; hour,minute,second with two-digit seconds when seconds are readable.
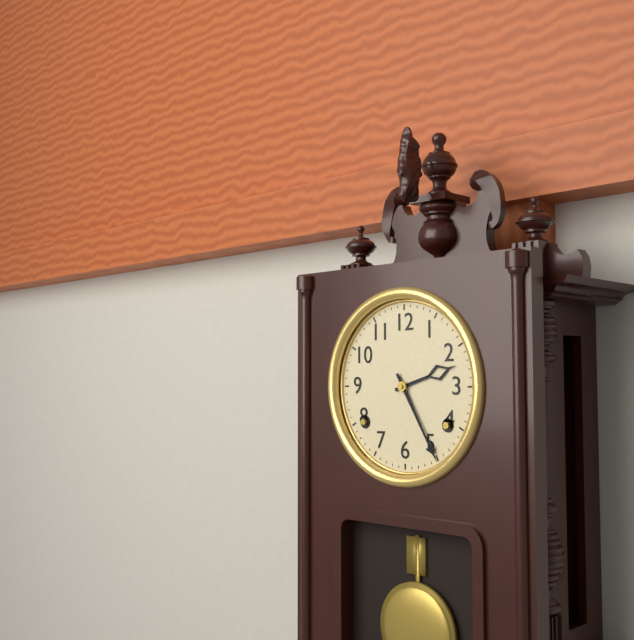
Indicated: 2,25
